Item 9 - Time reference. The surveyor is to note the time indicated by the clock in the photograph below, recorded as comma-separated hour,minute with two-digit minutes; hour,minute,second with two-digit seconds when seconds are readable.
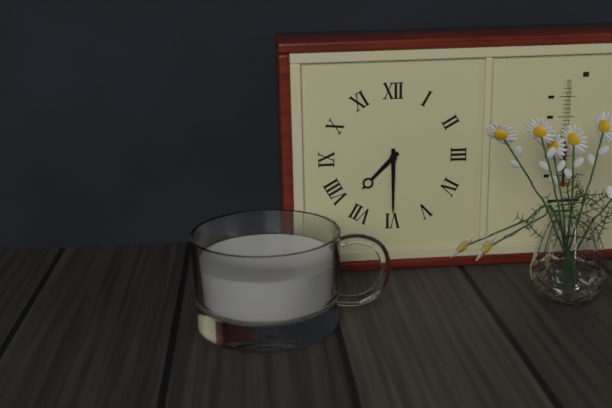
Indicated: 7,30
